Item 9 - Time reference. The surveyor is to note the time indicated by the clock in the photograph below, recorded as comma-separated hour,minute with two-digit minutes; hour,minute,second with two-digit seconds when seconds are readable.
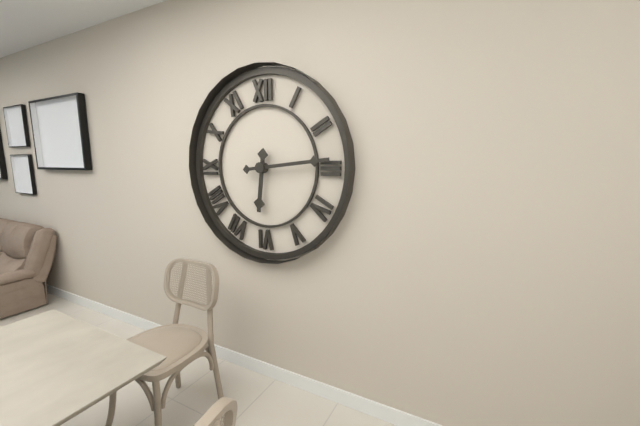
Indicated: 6,14
